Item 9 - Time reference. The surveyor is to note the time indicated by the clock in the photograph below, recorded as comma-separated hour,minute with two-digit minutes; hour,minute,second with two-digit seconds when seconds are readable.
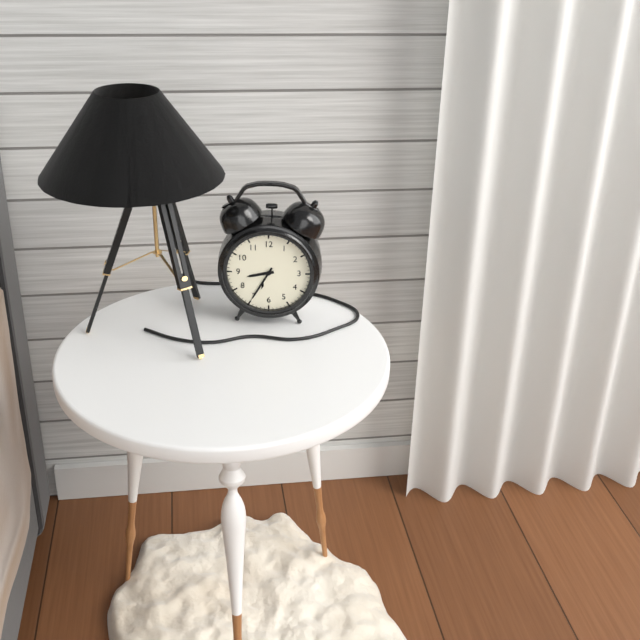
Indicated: 8,35
